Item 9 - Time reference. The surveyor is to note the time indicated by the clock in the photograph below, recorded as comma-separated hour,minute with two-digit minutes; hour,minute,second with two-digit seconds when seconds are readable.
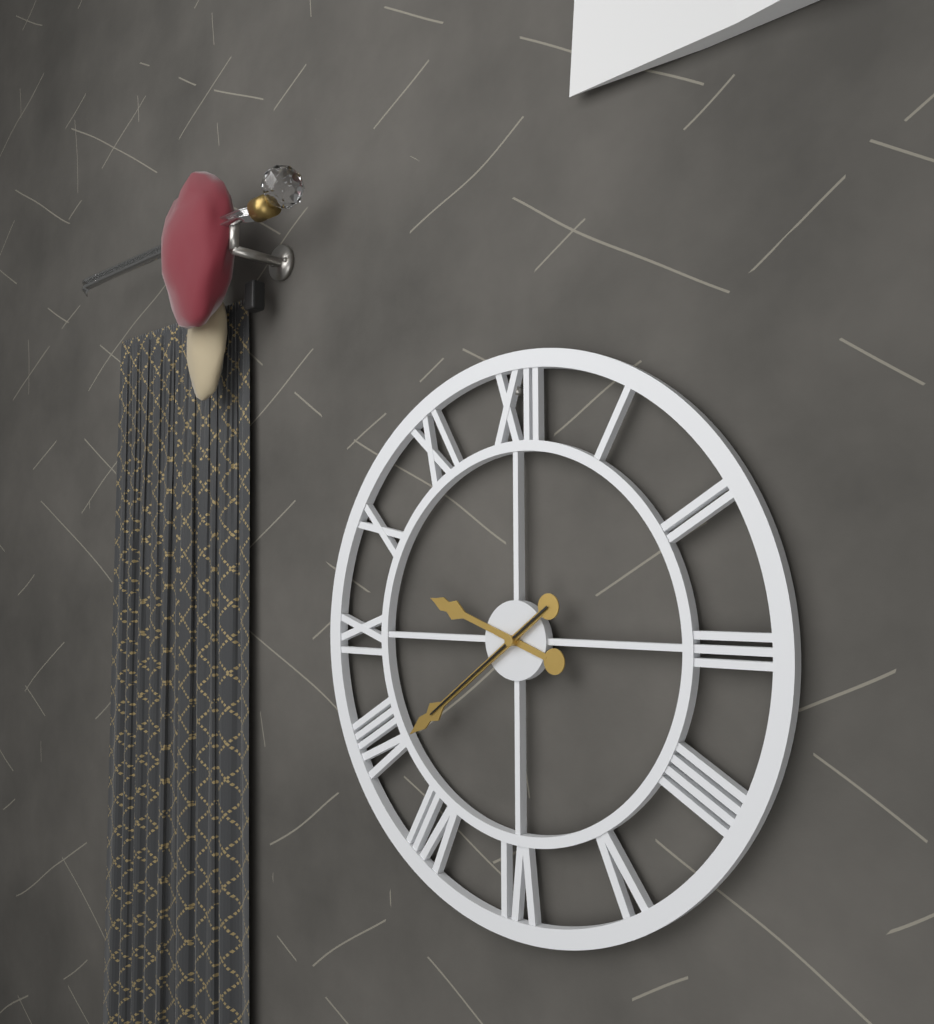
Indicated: 9,39,39
